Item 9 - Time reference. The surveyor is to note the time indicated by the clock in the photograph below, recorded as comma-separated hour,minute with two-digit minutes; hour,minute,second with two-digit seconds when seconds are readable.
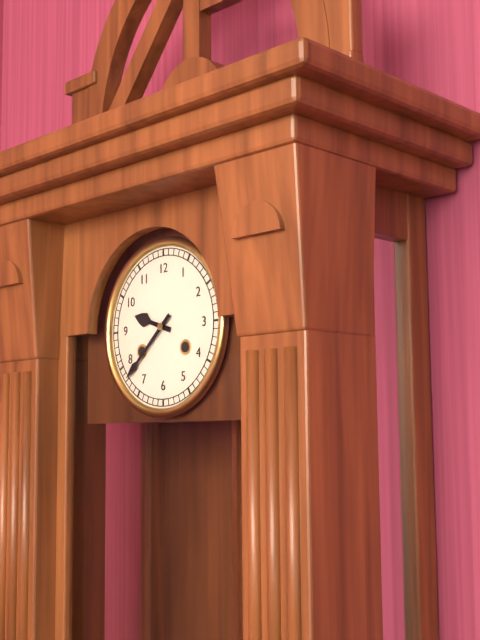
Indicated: 9,38
